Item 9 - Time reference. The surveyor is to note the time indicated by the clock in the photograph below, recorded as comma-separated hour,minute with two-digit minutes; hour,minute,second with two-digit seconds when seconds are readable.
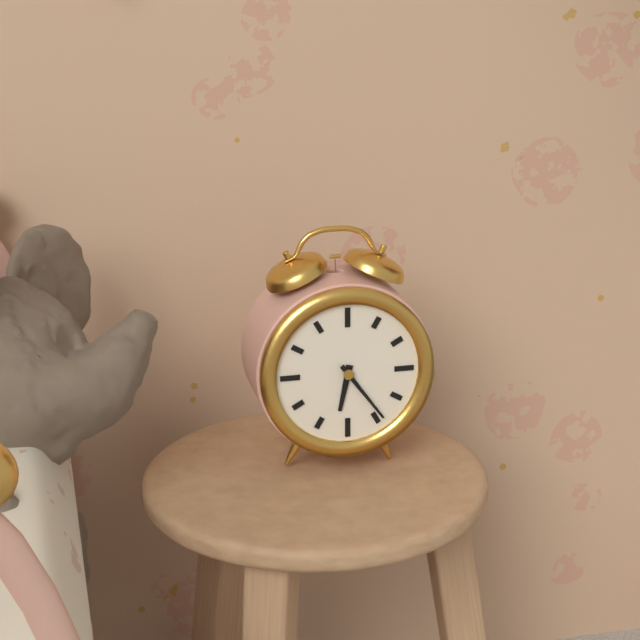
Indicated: 6,24
